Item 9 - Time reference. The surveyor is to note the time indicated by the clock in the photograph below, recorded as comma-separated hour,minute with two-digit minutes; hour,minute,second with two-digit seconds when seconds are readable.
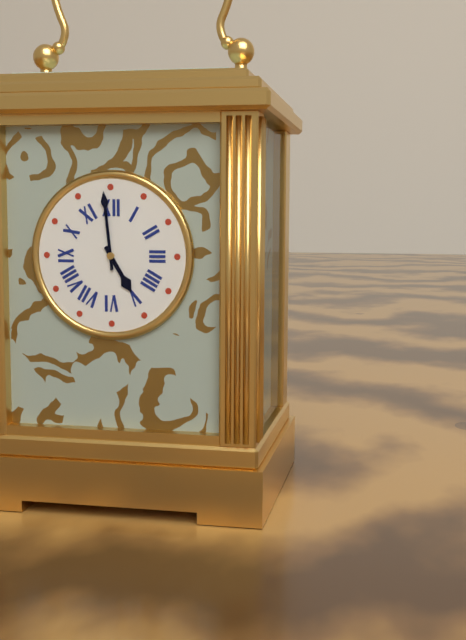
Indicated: 4,59
